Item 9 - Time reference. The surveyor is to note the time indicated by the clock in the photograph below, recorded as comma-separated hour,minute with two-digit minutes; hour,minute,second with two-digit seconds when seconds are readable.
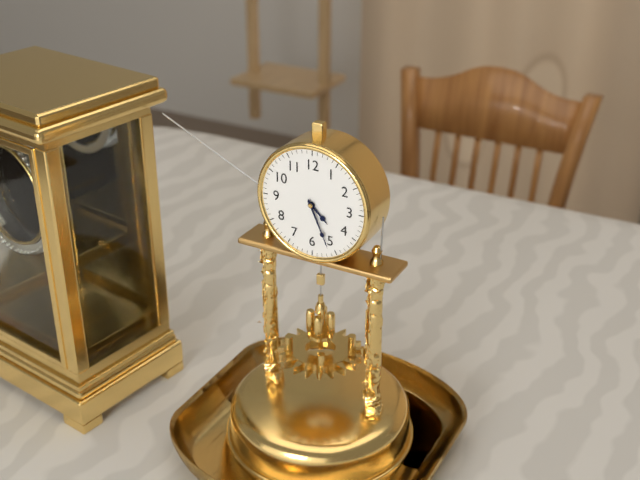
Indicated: 4,26
